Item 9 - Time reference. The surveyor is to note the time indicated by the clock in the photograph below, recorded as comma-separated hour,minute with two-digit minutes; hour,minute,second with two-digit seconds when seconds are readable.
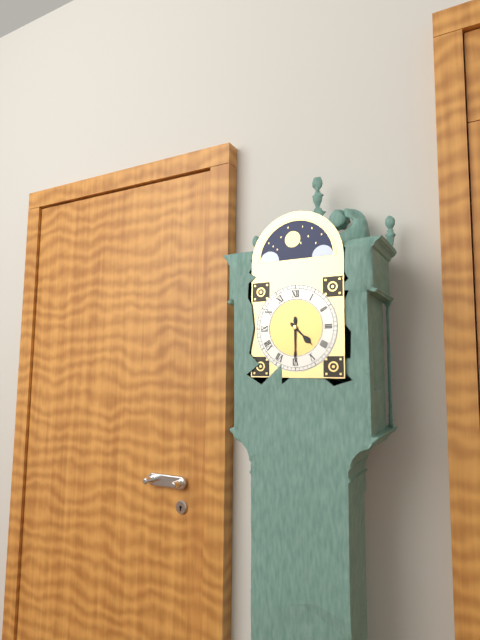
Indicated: 4,30
